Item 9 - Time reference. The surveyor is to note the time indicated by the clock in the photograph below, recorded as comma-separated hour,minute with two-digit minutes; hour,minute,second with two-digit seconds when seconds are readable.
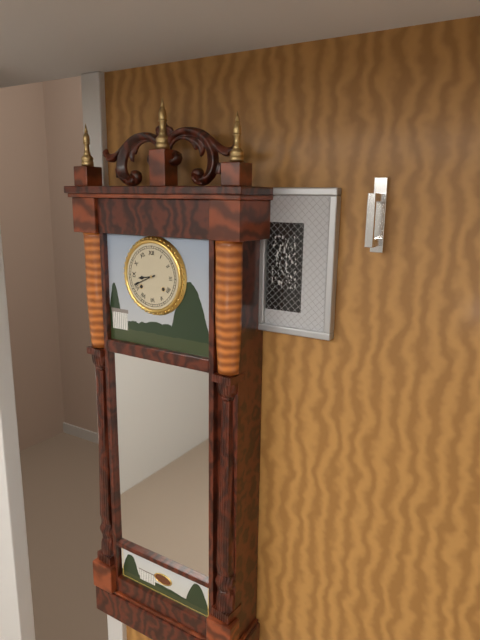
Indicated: 8,41
